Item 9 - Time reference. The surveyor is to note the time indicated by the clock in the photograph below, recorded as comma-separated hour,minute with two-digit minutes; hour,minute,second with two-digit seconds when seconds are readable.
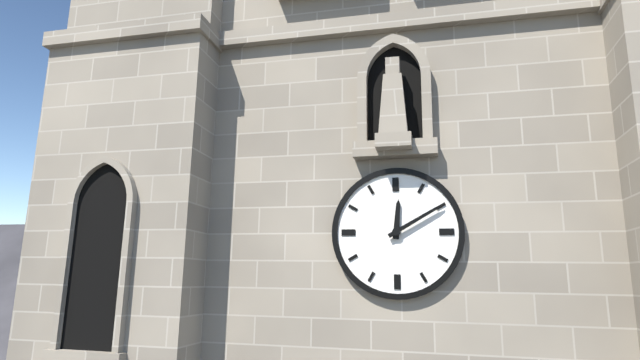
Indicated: 12,10
